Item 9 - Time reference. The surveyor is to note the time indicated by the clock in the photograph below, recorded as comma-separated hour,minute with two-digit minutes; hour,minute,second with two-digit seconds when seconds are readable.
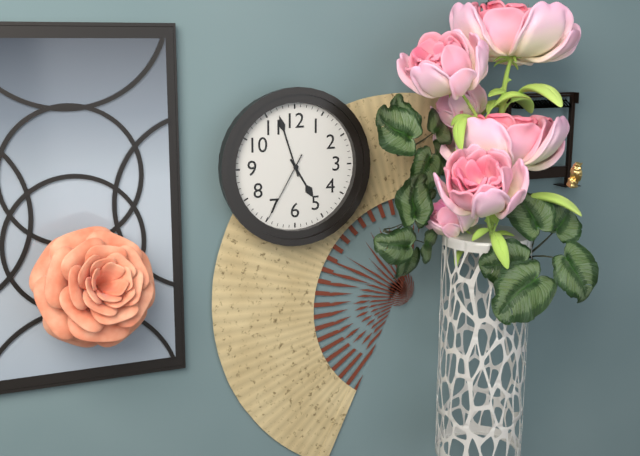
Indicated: 4,57,35
